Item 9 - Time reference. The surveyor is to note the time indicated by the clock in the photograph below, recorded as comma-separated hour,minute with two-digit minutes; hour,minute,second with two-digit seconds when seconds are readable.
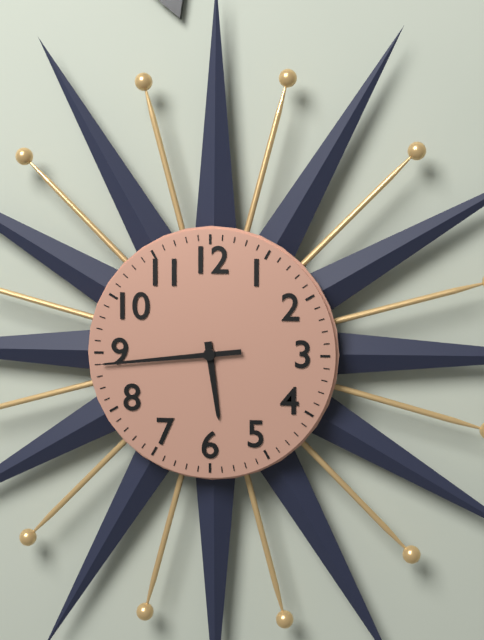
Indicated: 5,44
